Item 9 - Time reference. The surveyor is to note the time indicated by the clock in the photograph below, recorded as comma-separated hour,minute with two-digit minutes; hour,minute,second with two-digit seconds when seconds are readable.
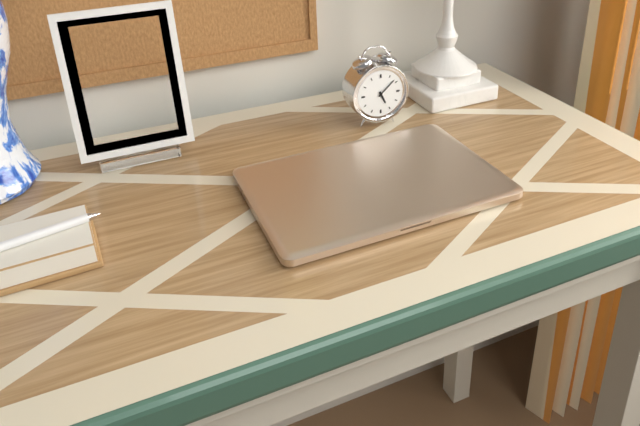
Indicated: 5,08
